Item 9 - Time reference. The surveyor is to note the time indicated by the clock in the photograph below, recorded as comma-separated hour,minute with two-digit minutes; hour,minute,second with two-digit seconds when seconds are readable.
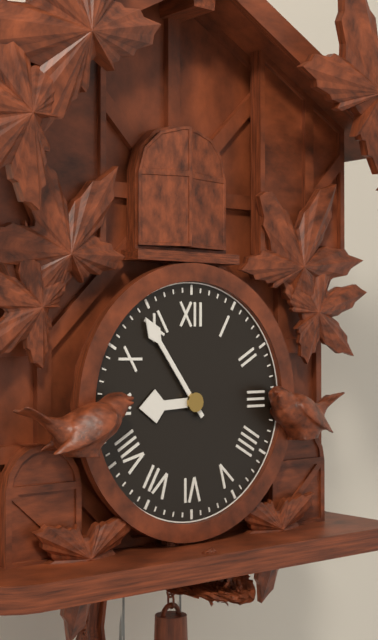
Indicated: 8,54
